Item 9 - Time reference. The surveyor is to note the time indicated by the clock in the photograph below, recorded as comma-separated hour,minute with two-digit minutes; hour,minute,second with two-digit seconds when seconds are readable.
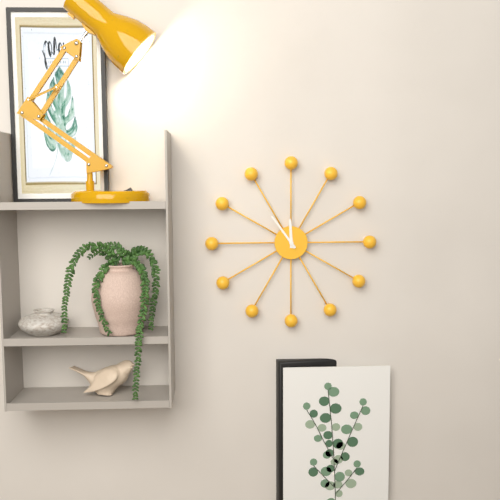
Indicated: 11,54
